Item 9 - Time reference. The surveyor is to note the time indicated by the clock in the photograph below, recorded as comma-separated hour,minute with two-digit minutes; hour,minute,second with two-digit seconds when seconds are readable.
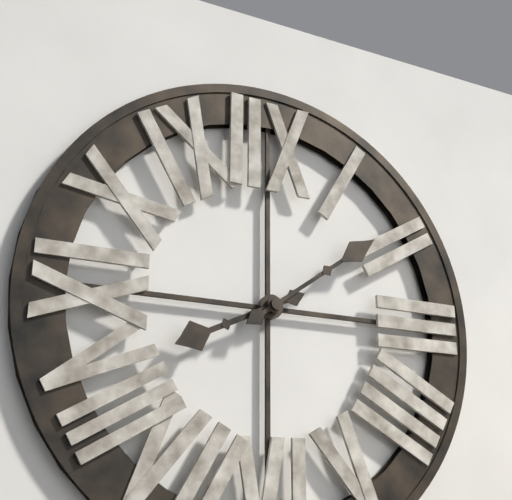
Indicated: 8,09
